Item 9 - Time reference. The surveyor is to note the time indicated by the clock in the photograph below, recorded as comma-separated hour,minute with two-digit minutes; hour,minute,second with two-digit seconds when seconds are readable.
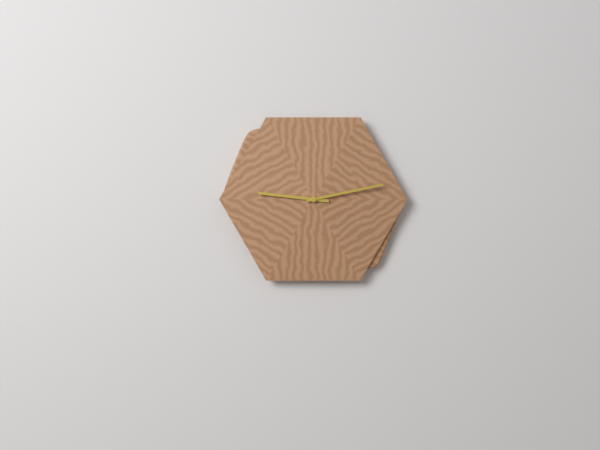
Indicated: 9,13
